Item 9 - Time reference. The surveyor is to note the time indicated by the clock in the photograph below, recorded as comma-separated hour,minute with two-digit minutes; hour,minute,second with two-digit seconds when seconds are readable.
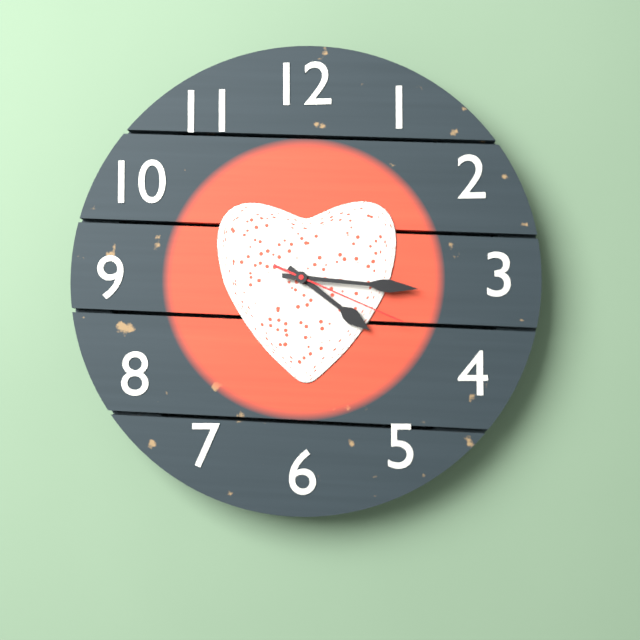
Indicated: 4,16,19
